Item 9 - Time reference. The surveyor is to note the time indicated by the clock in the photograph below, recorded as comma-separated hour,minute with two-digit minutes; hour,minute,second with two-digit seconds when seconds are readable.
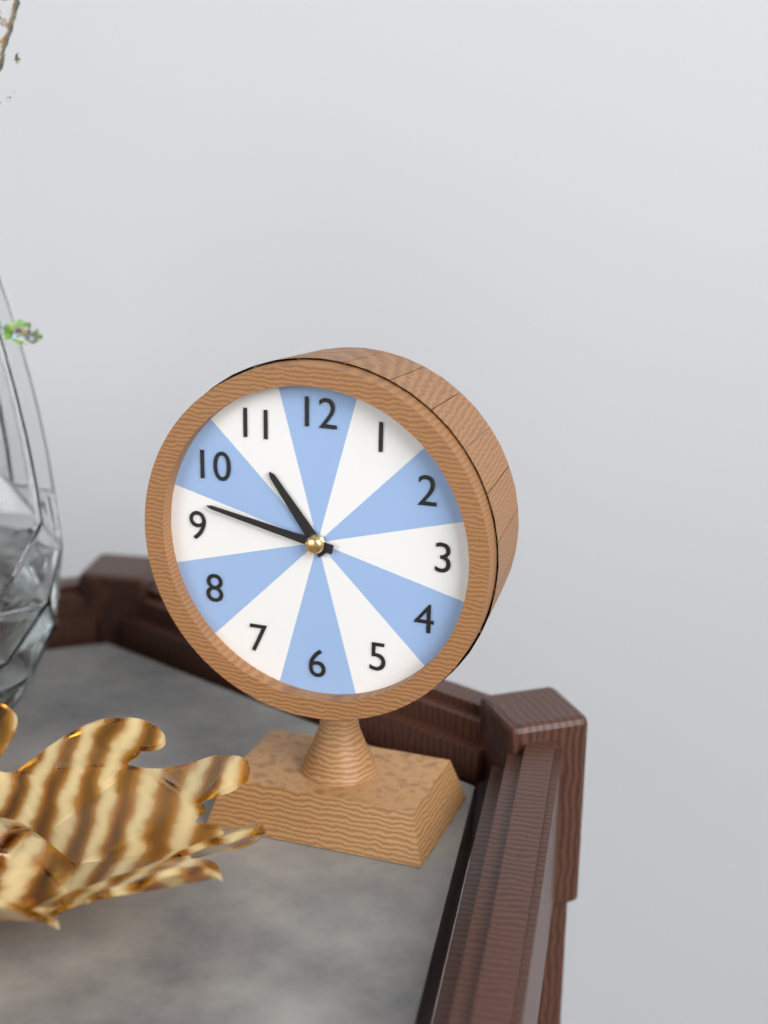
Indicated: 10,47
